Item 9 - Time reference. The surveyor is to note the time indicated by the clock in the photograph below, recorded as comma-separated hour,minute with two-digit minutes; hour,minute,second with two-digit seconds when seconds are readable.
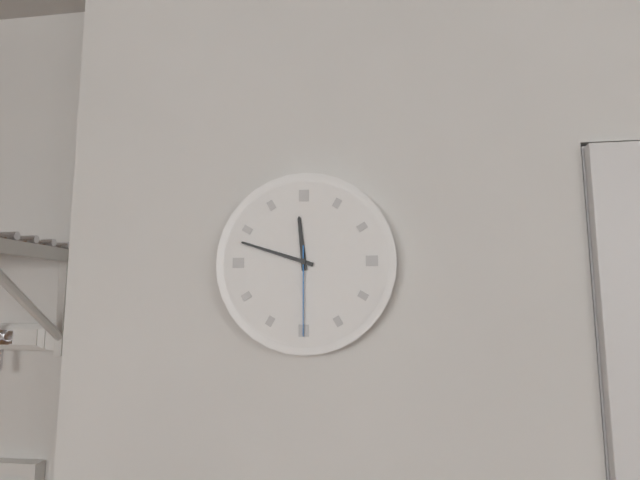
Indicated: 11,48,30
